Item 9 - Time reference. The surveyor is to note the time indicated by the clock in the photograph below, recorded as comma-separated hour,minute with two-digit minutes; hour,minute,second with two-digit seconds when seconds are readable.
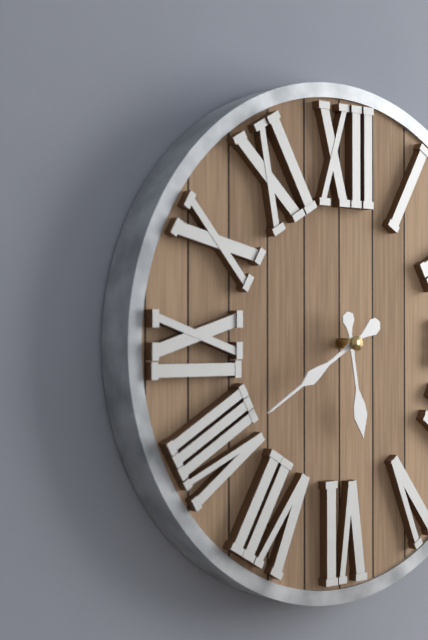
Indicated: 5,40
